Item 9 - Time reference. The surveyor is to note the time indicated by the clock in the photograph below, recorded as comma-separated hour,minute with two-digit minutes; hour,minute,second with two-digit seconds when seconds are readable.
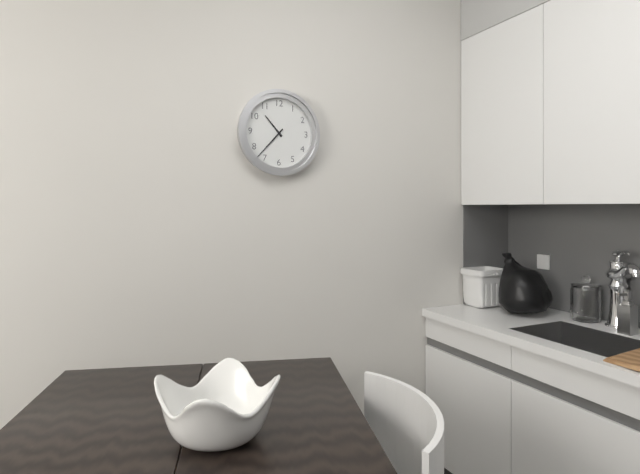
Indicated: 10,37
